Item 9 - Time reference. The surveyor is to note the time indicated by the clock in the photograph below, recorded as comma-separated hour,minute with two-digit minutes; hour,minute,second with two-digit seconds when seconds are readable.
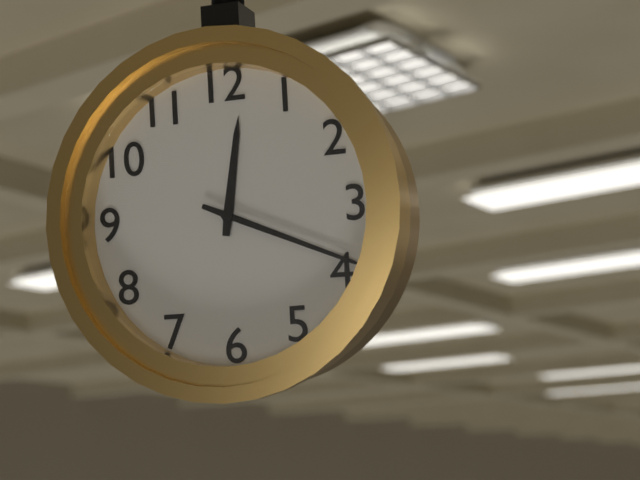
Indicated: 12,19
